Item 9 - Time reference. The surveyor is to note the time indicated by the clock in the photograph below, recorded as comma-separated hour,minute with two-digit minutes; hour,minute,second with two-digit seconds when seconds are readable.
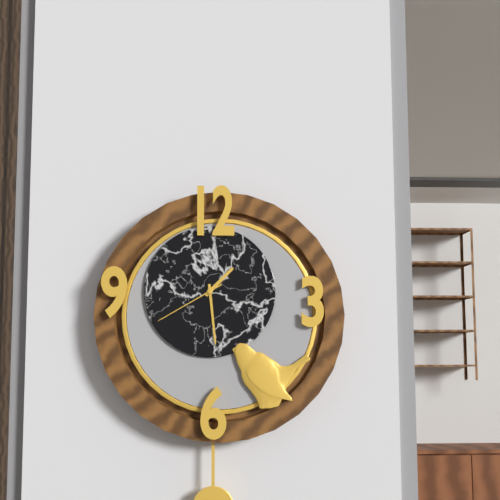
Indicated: 1,29,40
